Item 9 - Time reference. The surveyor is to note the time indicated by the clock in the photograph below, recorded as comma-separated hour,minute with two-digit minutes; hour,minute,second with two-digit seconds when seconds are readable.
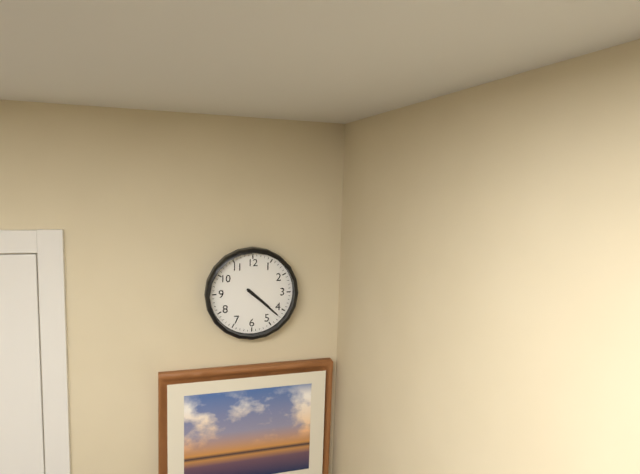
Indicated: 4,22
